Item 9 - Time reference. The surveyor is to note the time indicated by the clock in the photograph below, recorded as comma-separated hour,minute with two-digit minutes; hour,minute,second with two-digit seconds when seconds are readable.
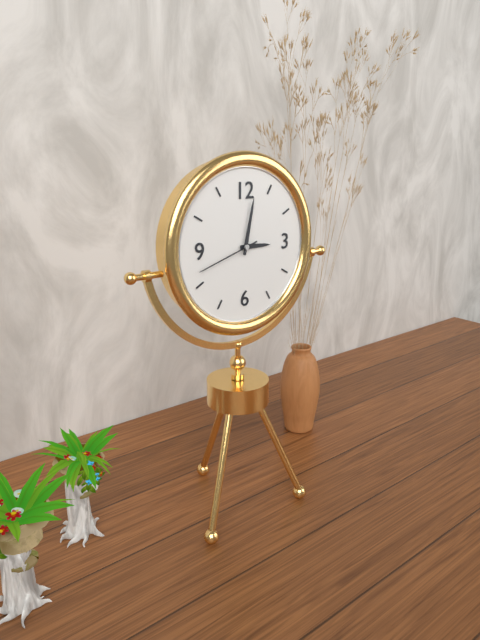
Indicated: 3,02,42
